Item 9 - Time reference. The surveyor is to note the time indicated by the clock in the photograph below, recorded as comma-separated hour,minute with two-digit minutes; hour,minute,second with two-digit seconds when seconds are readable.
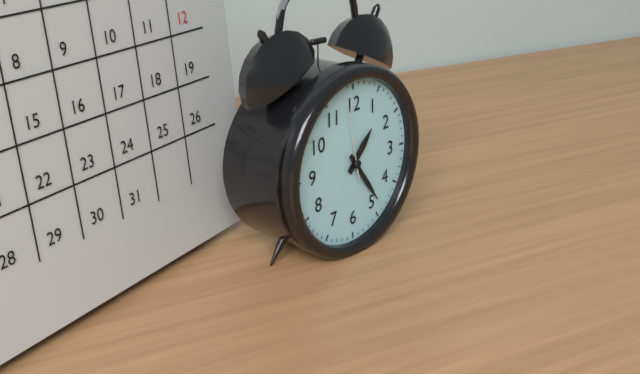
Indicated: 1,24,58
